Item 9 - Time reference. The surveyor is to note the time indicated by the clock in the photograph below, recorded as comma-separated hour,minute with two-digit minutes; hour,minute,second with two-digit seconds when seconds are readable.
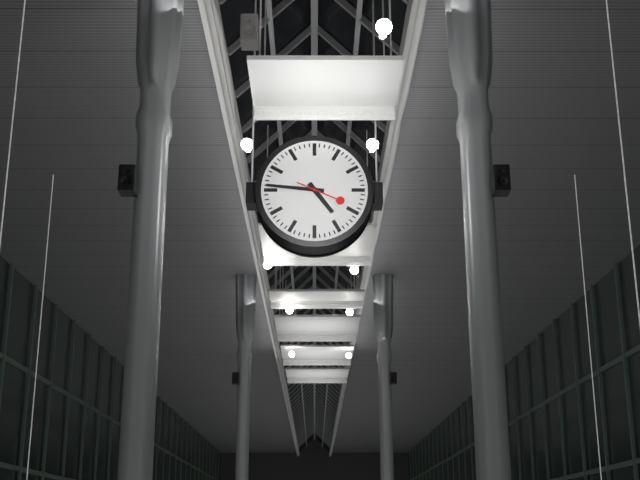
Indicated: 4,46
